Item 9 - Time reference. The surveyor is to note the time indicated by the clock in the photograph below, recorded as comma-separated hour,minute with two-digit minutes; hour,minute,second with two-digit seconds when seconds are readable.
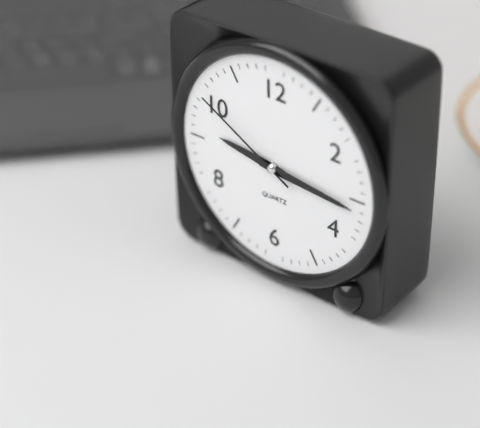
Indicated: 9,16,50
